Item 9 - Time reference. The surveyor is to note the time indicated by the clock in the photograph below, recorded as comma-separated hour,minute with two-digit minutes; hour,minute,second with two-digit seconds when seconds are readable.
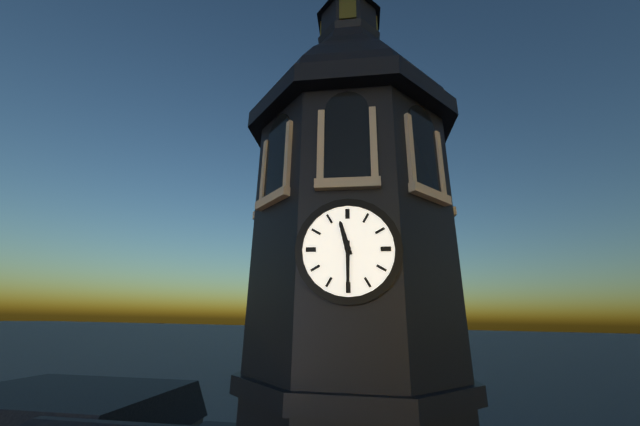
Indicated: 11,30
